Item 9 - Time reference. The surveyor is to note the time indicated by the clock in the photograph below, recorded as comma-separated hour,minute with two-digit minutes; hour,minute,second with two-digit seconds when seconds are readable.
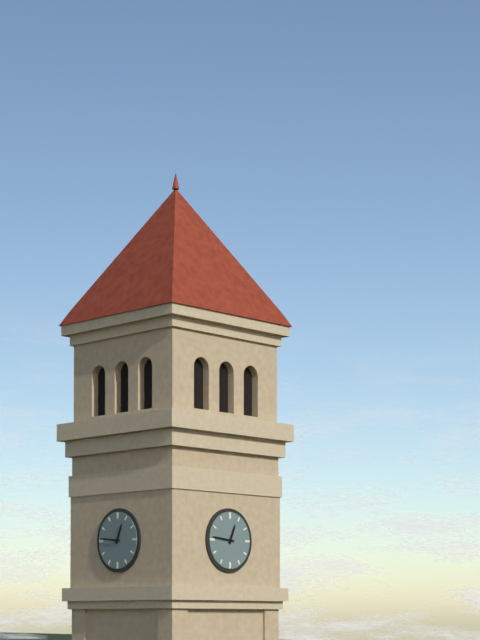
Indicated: 12,46
